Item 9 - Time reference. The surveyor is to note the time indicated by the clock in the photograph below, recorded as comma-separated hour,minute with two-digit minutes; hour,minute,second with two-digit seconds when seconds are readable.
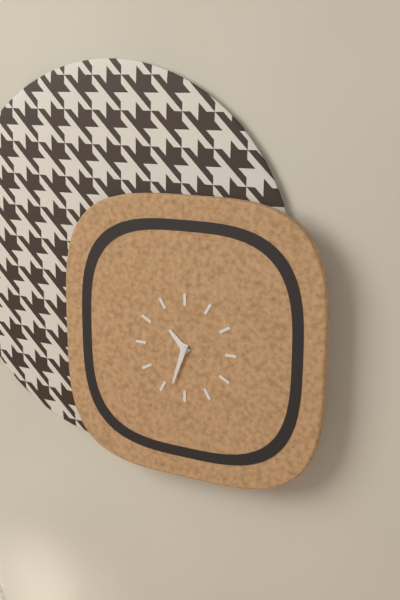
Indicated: 10,33
